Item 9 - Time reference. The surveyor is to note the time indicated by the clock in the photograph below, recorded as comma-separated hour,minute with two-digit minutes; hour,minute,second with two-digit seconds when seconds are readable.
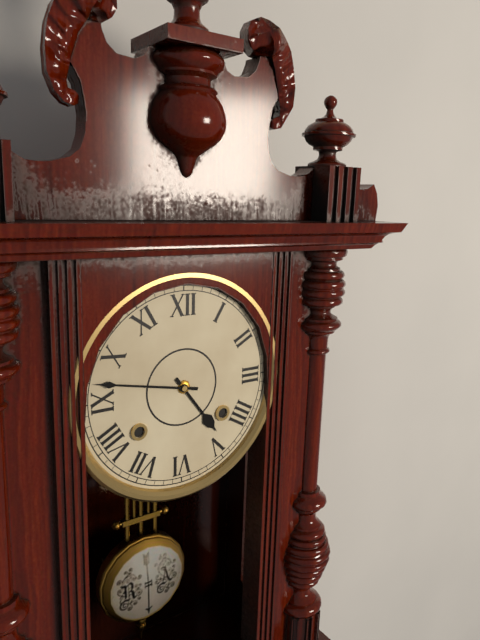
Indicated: 4,47
